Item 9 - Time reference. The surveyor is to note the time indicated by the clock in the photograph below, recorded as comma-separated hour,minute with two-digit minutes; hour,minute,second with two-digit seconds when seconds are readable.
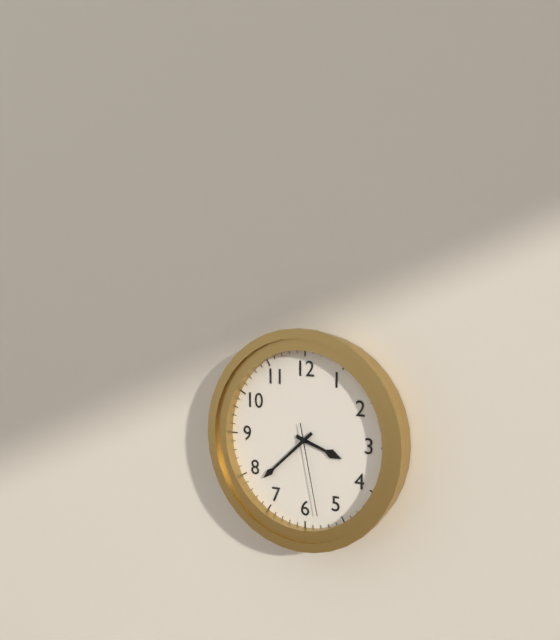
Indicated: 3,38,28
